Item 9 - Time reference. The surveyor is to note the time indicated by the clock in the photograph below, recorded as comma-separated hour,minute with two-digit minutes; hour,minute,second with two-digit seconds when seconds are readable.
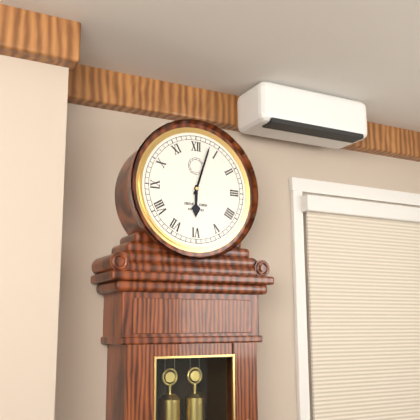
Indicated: 6,03
